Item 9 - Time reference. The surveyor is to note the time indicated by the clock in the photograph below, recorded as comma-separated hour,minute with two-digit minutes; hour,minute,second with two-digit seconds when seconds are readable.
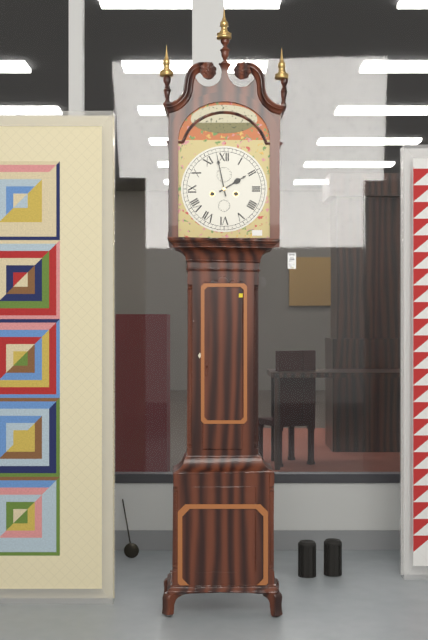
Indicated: 1,58
